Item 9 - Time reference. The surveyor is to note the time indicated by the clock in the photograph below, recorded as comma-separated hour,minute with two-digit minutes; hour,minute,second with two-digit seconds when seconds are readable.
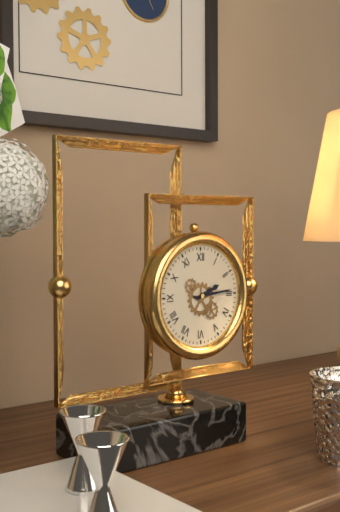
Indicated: 2,14
